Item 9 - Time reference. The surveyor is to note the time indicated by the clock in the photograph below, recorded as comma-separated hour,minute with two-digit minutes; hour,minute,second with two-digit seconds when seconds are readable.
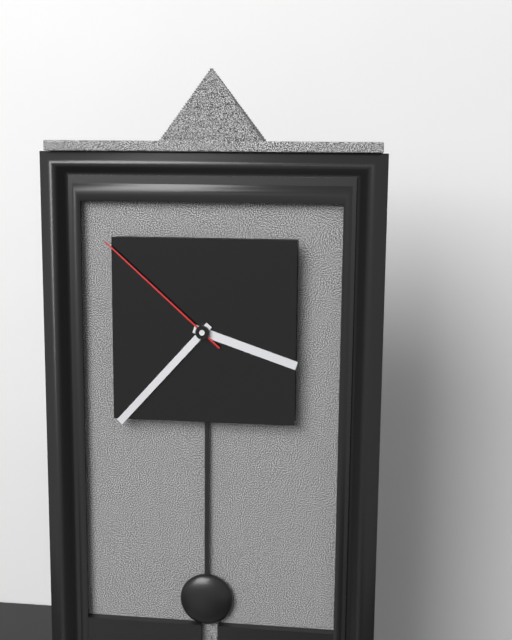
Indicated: 3,37,52
